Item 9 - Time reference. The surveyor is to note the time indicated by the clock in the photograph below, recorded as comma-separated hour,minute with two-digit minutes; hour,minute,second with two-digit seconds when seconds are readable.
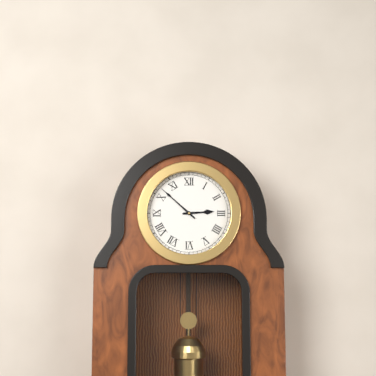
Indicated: 2,52
